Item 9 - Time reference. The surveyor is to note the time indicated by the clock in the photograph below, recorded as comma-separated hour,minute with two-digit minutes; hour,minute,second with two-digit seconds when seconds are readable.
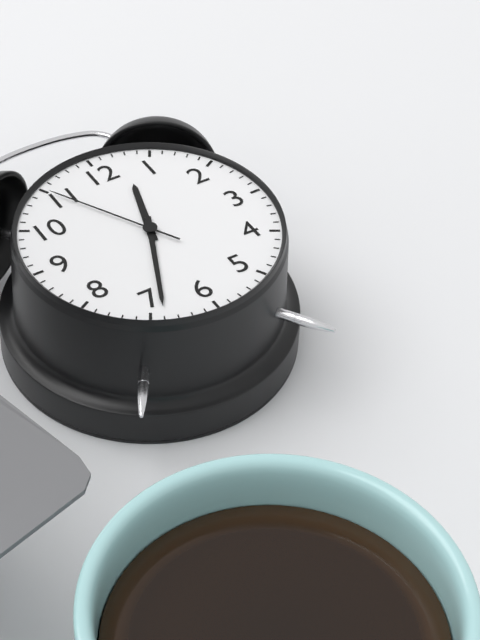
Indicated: 12,34,55
